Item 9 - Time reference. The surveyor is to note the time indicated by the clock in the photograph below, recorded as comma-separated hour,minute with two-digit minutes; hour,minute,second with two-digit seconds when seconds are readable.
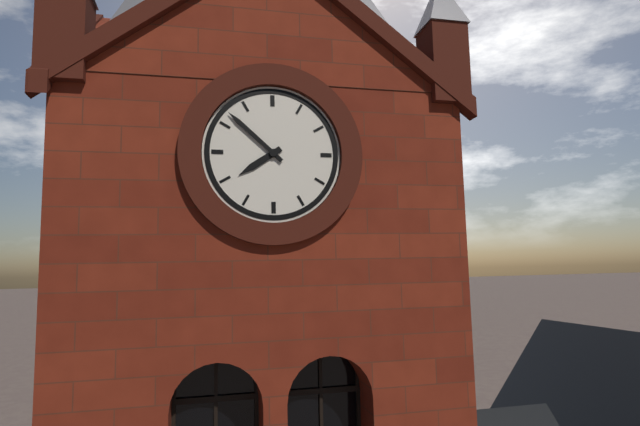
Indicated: 7,52
